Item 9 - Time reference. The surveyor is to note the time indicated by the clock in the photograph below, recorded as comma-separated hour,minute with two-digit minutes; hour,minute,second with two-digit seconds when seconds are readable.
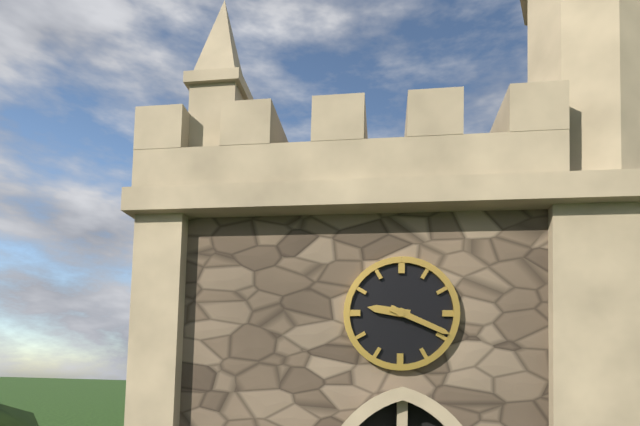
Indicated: 9,19
